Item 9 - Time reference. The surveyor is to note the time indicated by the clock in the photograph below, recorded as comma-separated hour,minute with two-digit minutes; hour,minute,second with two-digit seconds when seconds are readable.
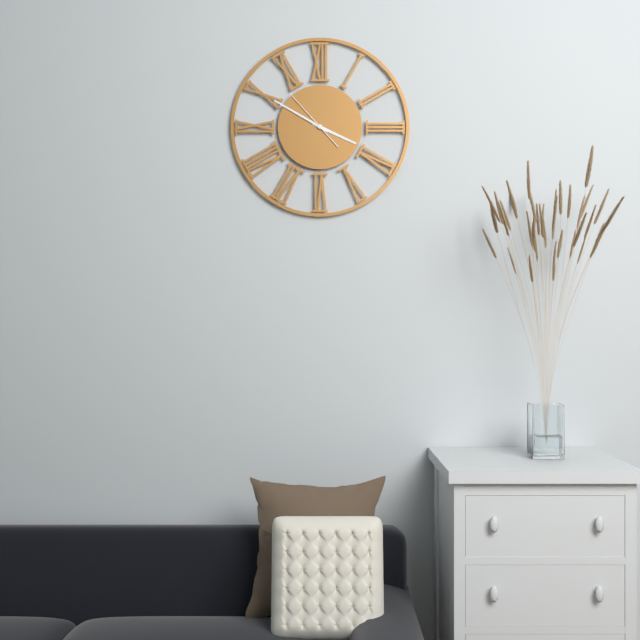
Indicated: 3,50,53
